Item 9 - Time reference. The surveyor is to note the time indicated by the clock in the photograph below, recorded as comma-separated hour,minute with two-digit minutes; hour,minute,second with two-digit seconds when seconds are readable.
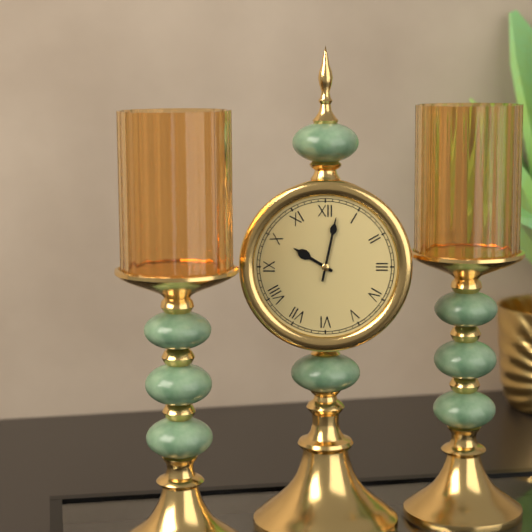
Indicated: 10,02
